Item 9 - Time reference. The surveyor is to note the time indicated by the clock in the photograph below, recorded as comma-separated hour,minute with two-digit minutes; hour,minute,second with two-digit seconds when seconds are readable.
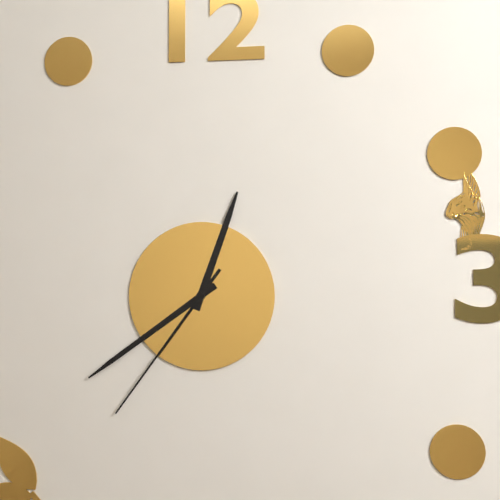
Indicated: 12,39,36
